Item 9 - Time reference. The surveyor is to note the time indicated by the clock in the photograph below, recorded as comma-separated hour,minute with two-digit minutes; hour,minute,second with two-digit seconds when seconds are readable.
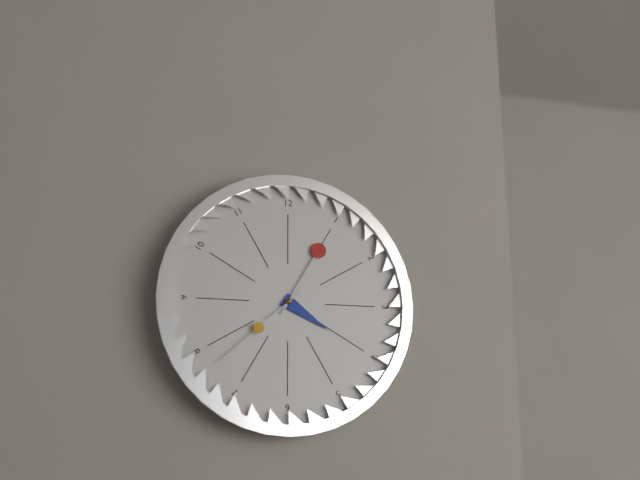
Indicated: 4,05,38
